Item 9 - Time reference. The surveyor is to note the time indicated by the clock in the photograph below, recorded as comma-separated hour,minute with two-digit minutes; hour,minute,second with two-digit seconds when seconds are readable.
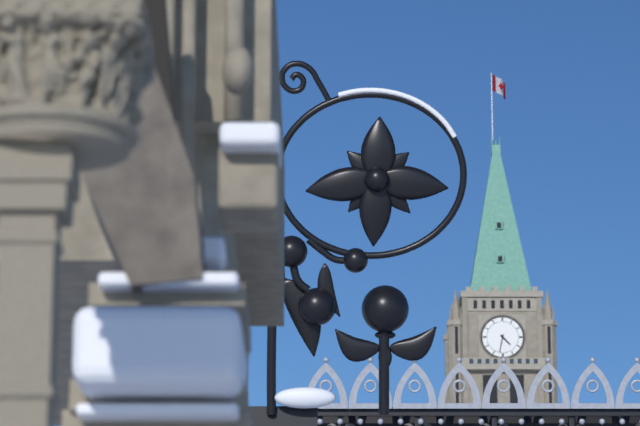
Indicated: 4,32
